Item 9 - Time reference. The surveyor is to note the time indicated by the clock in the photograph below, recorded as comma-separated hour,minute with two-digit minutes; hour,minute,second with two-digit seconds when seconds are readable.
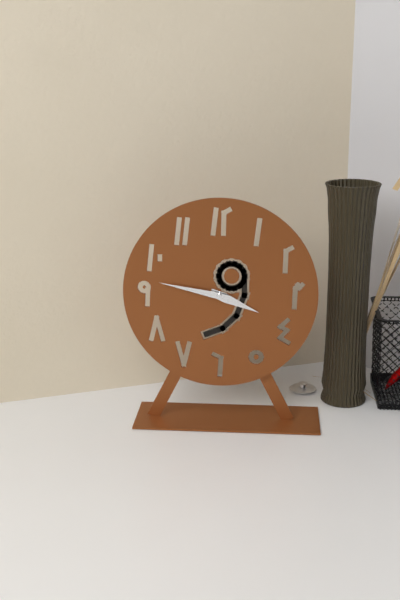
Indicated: 3,47
